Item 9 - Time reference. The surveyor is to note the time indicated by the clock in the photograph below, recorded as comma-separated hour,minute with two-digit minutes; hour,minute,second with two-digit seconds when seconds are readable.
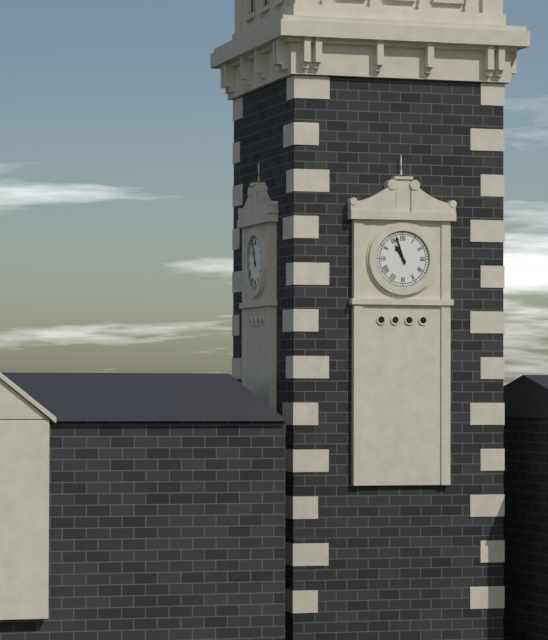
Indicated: 10,57
